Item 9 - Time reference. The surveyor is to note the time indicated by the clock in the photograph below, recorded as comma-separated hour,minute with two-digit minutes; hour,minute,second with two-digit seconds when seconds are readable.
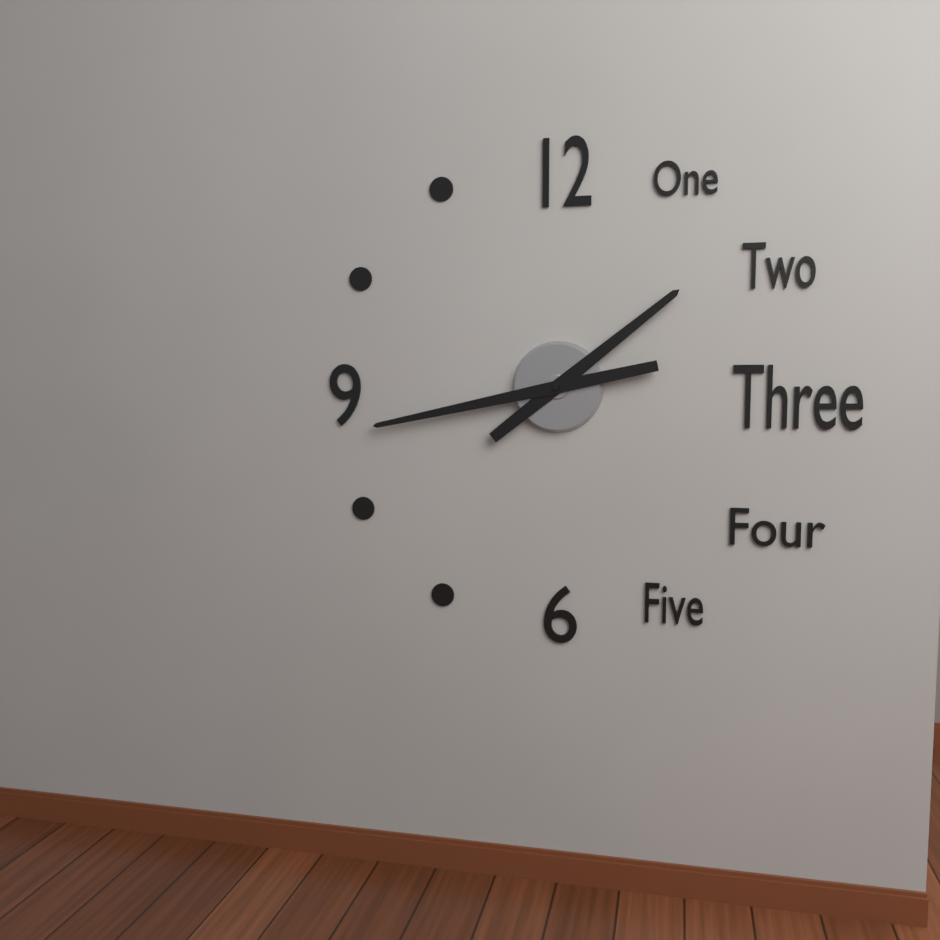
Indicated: 1,43
